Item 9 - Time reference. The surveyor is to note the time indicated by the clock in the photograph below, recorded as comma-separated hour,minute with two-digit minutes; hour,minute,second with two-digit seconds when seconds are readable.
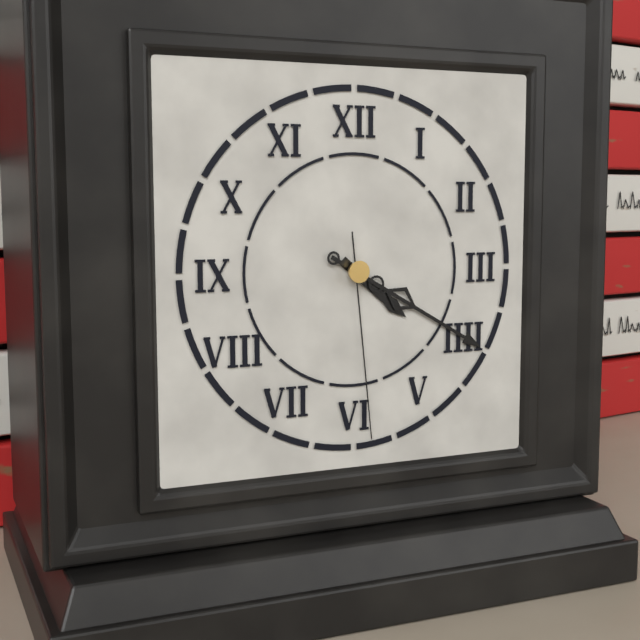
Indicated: 4,20,29
